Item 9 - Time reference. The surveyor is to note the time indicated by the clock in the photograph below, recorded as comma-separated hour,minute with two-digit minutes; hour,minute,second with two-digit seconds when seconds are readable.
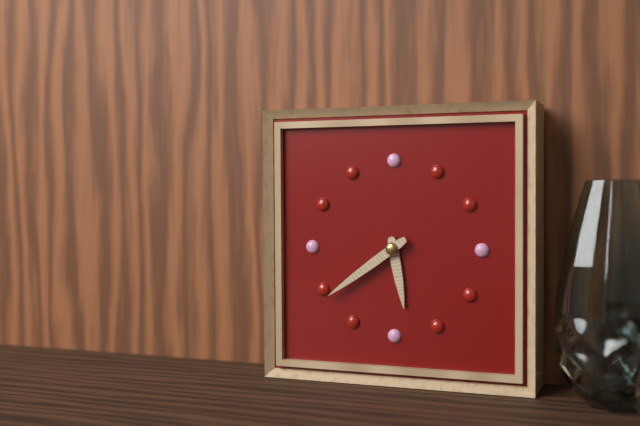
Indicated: 5,39
